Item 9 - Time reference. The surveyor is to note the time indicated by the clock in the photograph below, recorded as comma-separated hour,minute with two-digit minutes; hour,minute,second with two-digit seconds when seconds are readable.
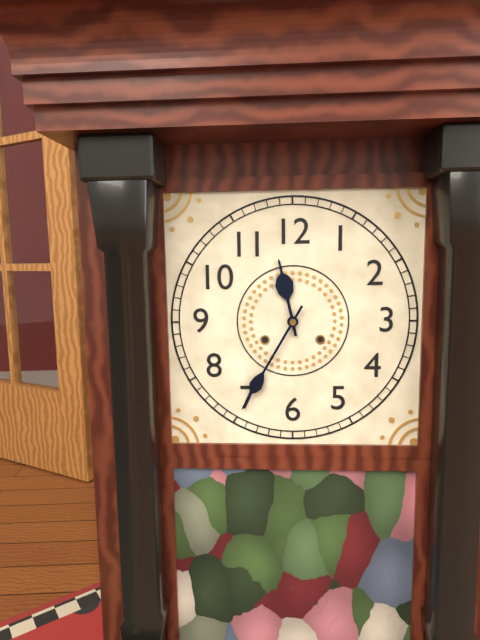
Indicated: 11,35
